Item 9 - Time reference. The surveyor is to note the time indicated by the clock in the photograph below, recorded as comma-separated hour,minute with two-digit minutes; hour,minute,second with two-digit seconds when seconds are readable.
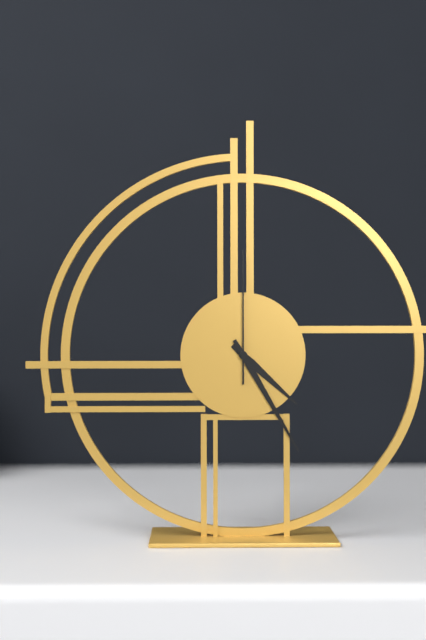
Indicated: 4,25,00
